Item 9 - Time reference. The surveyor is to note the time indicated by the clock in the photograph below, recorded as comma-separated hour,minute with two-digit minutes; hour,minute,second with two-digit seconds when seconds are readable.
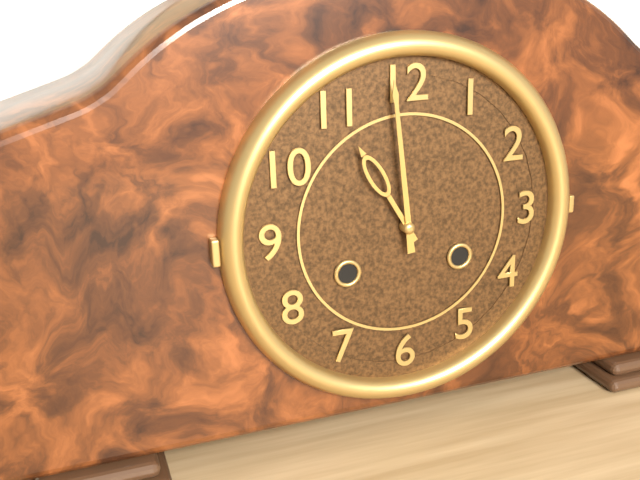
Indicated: 10,59
